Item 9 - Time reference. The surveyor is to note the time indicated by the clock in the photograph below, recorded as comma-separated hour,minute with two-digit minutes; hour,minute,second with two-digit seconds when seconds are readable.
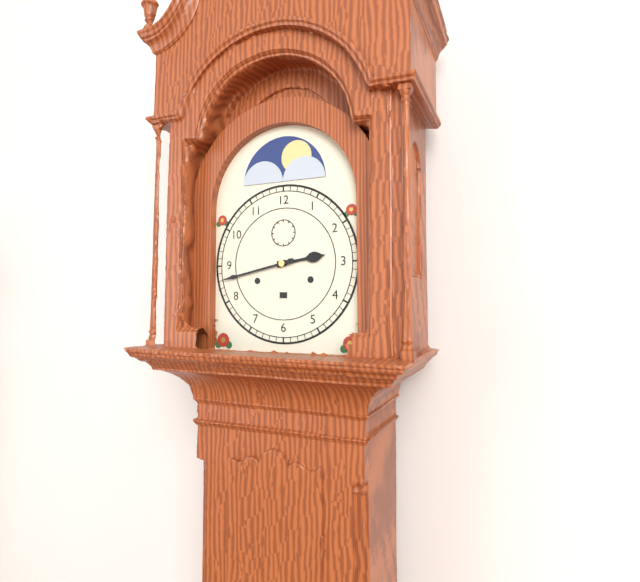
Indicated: 2,43
